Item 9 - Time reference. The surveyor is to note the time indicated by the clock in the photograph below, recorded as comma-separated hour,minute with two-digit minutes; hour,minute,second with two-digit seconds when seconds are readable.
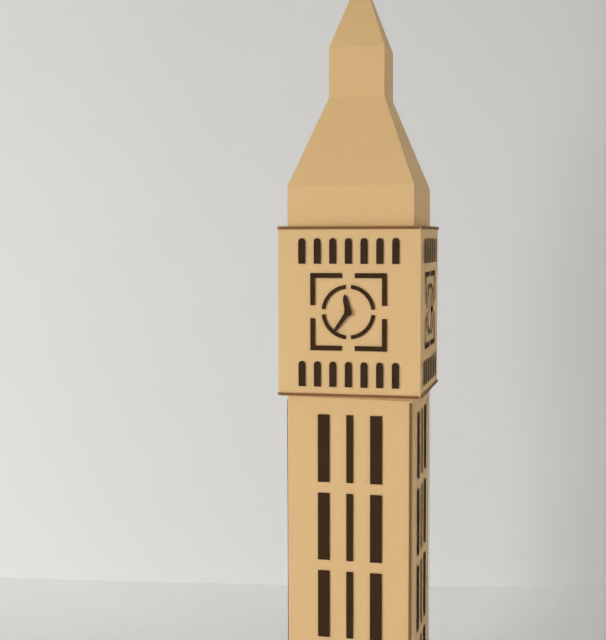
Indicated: 11,36
